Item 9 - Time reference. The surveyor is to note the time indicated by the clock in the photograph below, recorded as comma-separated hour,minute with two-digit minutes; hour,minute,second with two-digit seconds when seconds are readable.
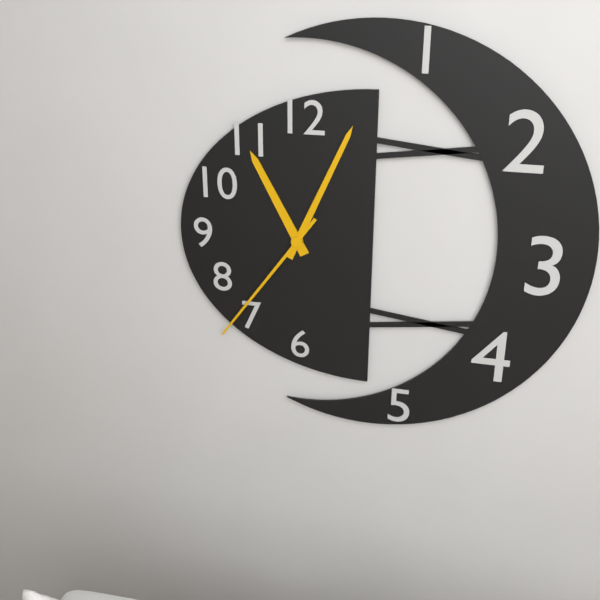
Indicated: 11,04,36
